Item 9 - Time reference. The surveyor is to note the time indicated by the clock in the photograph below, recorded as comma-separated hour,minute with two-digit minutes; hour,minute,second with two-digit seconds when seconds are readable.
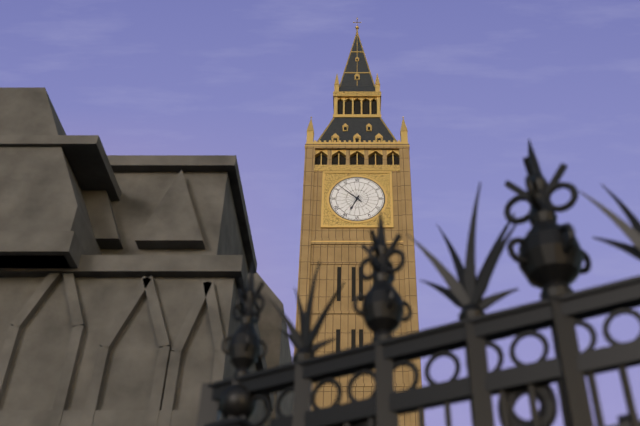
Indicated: 6,52
